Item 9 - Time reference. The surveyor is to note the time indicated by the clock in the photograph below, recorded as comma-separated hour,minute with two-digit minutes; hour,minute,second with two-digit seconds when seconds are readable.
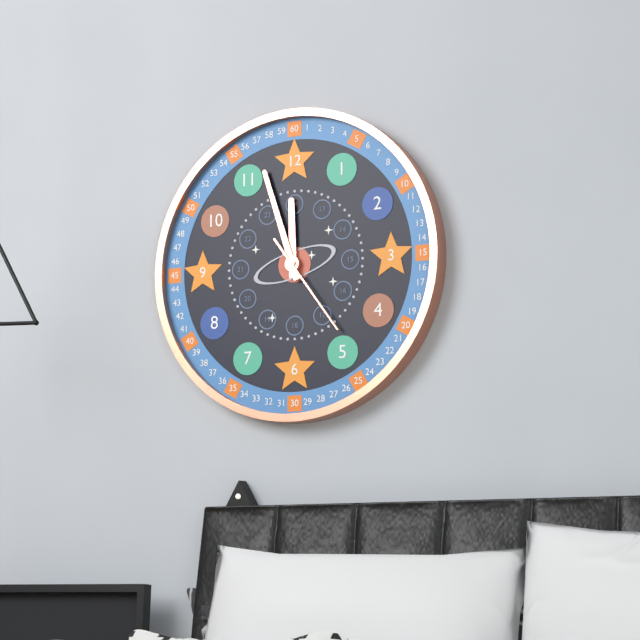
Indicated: 11,57,24
